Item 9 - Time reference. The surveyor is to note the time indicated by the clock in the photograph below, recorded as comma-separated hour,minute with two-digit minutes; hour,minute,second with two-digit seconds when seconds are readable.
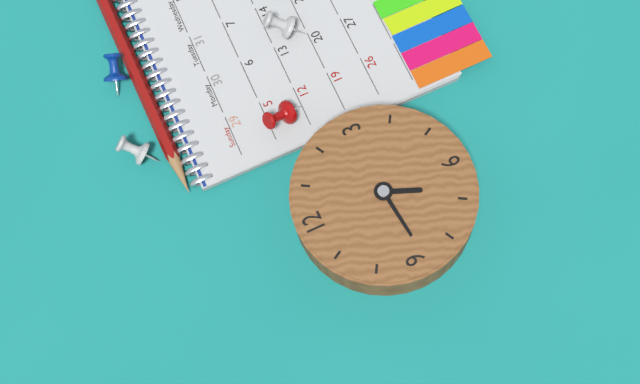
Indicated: 6,44
